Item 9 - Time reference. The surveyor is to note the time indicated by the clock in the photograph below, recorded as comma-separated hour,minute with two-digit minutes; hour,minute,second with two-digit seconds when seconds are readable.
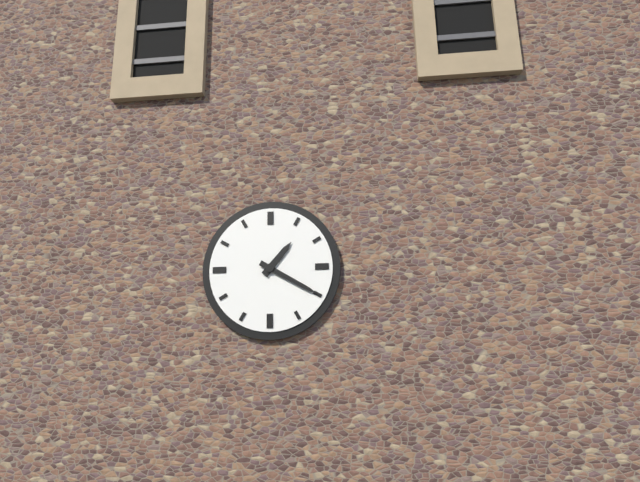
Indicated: 1,20
